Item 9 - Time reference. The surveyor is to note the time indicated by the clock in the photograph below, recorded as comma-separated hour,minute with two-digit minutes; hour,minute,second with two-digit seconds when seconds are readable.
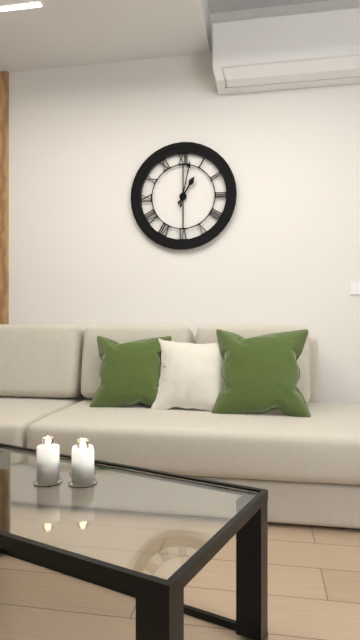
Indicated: 1,02
